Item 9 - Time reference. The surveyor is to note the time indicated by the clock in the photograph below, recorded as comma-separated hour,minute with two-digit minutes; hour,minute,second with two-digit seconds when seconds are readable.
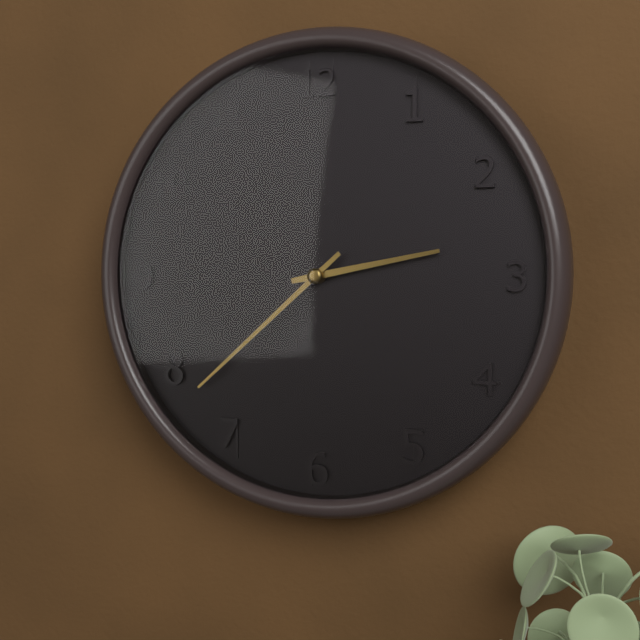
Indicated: 2,38
